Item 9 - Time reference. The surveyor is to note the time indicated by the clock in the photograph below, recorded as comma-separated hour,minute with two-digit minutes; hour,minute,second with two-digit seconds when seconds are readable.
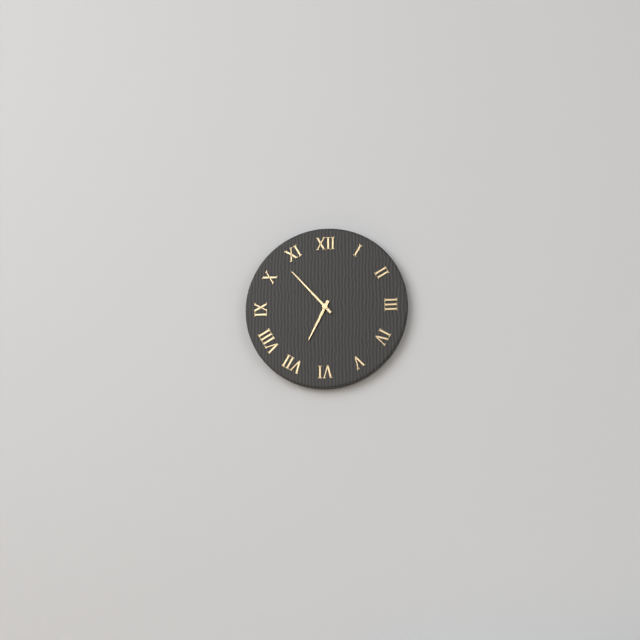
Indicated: 6,53
